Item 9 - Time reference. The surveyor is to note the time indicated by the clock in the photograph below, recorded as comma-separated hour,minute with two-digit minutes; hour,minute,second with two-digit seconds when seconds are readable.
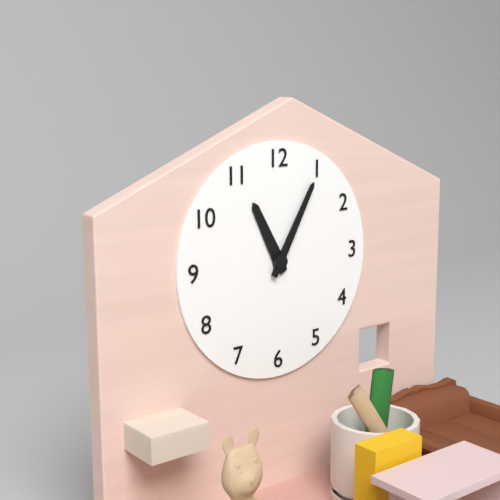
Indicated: 11,05
